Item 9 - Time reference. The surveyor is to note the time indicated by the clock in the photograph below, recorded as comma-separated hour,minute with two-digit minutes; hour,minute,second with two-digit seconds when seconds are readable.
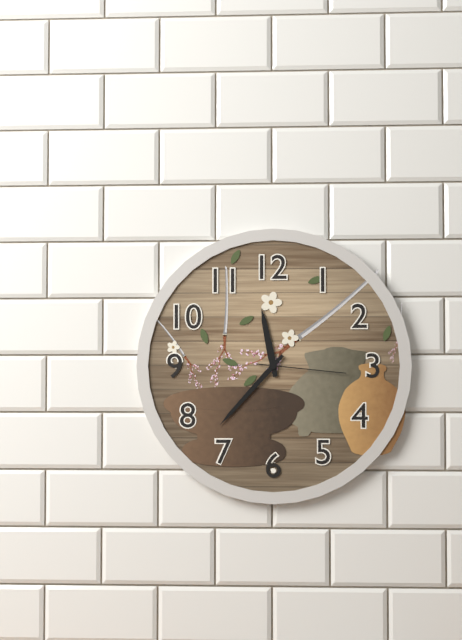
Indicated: 11,37,16
